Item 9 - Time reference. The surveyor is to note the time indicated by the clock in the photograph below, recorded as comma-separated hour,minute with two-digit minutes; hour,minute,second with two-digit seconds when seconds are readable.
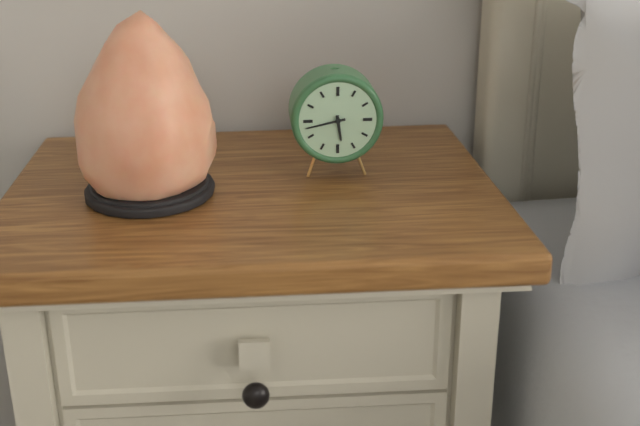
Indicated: 5,43
